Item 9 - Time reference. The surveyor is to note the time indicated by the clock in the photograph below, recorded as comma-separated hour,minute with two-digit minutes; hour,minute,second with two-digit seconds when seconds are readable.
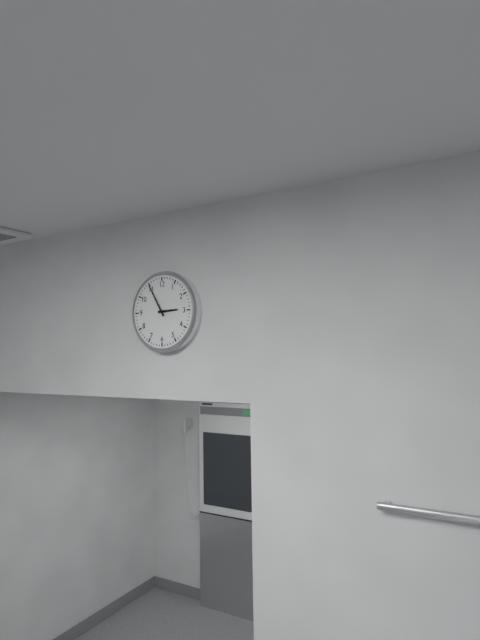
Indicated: 2,55
